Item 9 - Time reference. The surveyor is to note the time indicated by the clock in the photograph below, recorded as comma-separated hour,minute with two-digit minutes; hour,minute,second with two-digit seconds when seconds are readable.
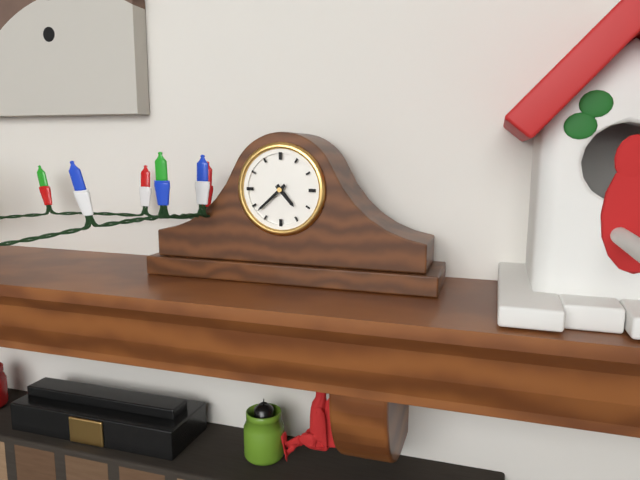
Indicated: 4,38
